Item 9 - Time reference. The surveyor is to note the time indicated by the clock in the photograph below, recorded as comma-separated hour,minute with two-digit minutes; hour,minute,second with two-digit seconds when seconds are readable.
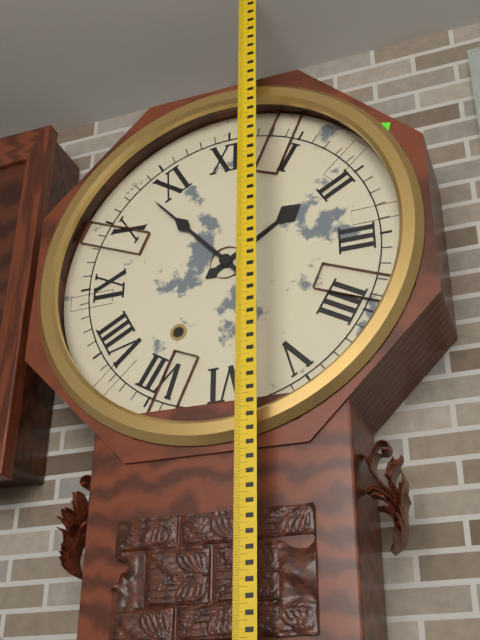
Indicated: 1,53
